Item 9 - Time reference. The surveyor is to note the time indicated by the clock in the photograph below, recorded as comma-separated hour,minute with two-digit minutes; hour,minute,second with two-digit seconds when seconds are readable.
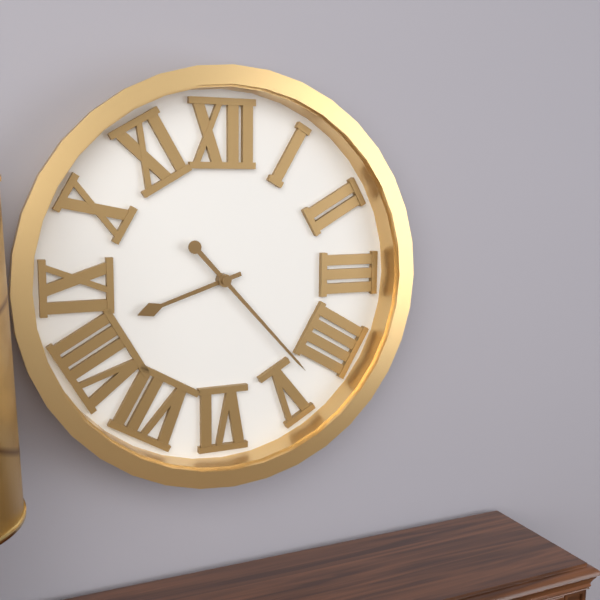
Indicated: 8,23
